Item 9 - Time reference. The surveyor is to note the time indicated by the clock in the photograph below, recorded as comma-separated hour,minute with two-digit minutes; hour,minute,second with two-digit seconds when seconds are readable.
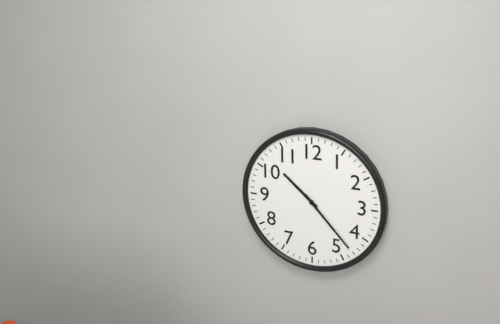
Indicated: 10,23
